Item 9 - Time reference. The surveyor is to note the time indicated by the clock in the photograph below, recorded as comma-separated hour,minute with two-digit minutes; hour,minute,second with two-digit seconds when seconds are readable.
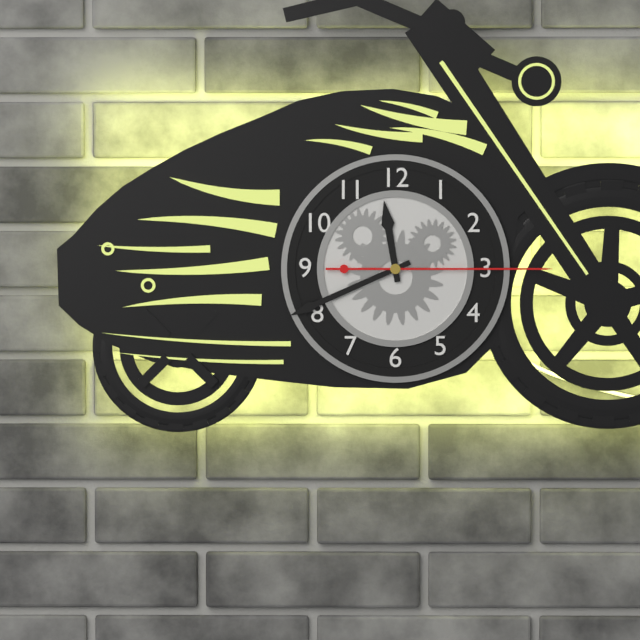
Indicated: 11,41,15
